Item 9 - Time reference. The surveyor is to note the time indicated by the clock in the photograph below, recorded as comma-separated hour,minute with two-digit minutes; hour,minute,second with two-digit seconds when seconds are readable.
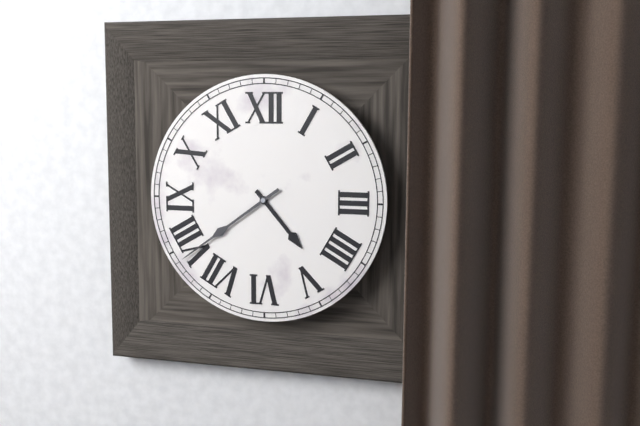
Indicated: 4,39
